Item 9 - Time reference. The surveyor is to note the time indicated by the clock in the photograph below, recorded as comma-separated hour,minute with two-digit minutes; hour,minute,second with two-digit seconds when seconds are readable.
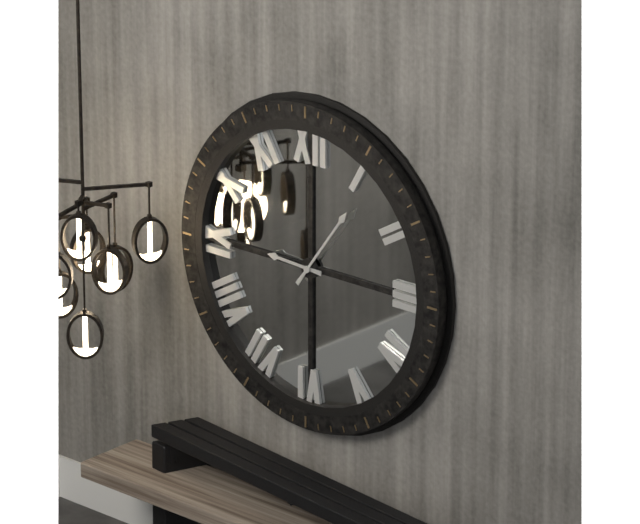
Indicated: 9,06
